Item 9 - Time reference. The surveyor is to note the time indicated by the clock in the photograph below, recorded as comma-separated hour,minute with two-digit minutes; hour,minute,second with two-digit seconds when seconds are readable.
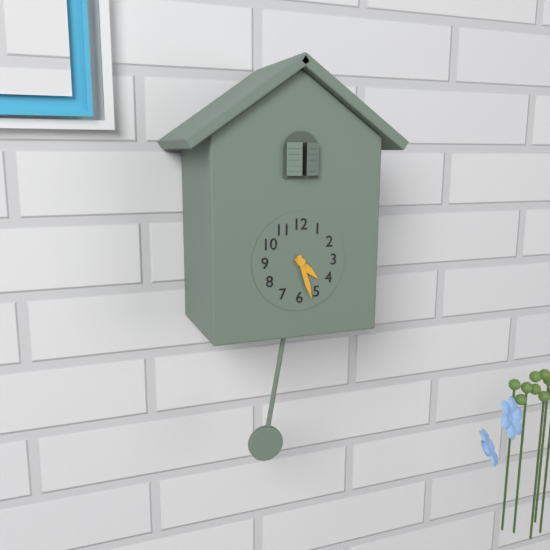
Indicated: 4,27
